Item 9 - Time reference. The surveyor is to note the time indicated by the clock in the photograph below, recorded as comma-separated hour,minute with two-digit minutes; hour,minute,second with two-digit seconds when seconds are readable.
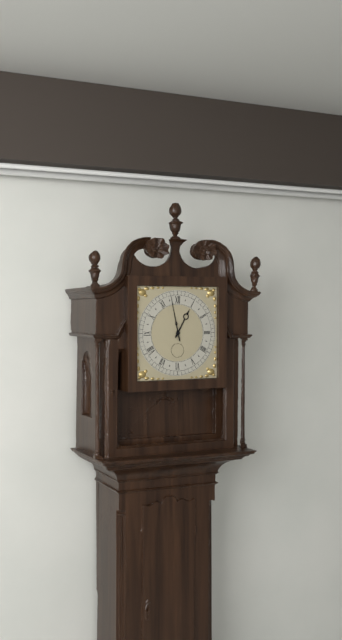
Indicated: 12,58
